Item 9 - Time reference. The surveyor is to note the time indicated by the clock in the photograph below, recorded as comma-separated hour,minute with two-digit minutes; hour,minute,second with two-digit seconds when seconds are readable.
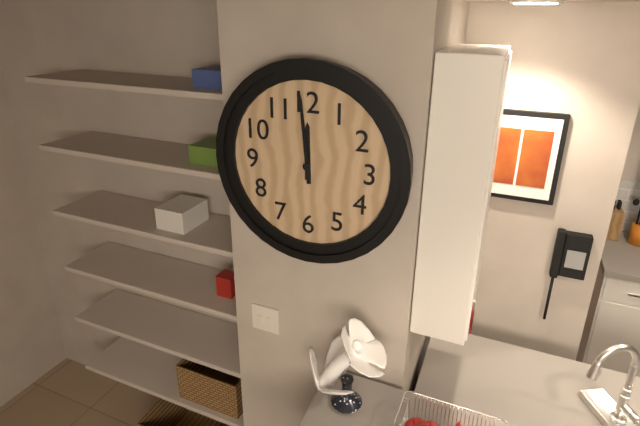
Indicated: 11,59
